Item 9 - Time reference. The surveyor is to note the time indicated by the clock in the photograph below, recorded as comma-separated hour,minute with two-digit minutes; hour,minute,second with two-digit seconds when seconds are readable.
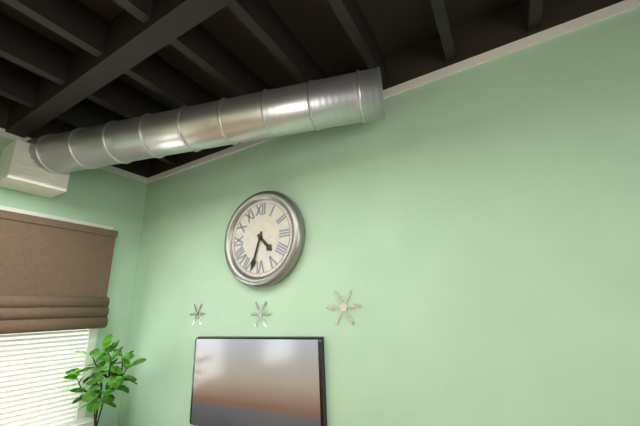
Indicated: 4,33
